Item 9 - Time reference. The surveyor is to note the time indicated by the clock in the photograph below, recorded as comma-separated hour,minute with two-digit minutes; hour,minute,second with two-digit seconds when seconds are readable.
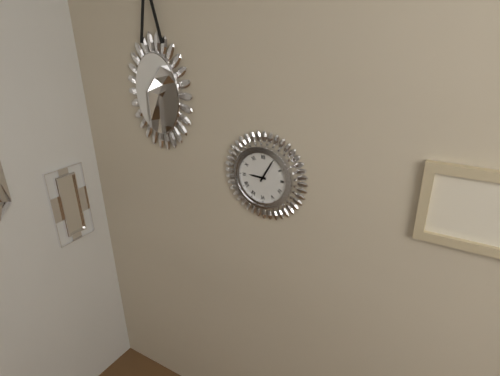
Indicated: 9,05
